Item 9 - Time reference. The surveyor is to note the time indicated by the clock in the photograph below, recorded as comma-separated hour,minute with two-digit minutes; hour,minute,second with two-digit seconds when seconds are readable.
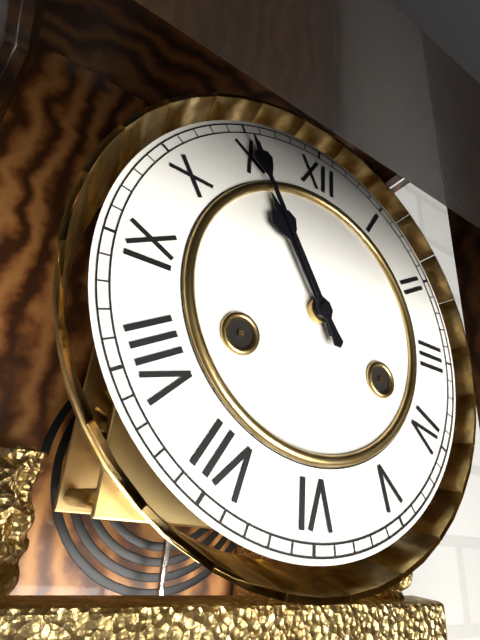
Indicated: 10,55
